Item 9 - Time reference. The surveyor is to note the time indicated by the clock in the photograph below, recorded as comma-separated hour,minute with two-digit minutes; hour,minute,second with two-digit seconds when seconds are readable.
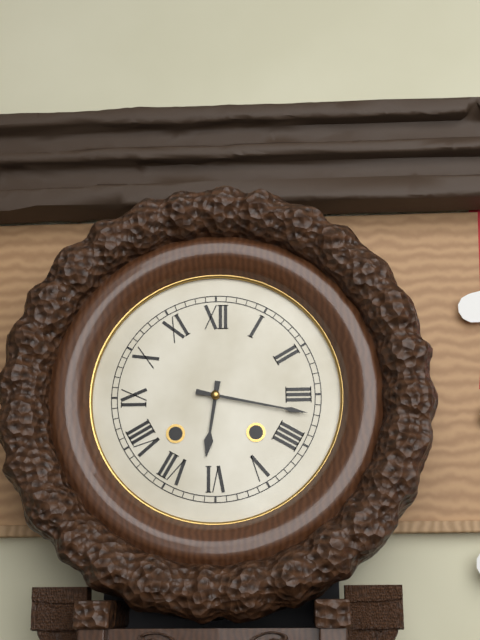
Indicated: 6,17
